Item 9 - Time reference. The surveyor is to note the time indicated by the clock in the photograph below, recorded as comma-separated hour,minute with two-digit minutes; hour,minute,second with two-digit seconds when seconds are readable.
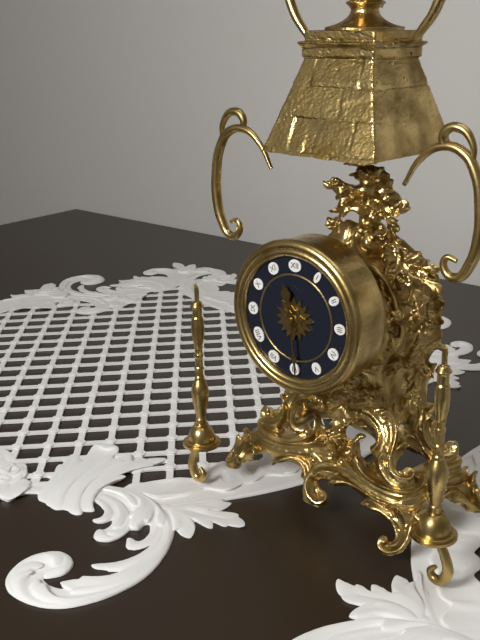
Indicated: 11,29
